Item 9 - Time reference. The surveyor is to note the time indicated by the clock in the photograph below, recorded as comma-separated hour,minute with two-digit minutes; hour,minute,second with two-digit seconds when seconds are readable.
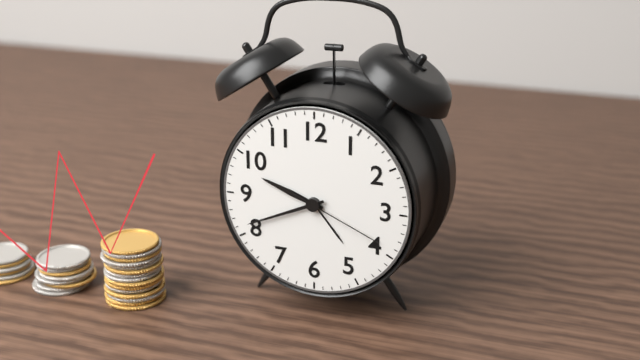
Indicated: 9,41,19
